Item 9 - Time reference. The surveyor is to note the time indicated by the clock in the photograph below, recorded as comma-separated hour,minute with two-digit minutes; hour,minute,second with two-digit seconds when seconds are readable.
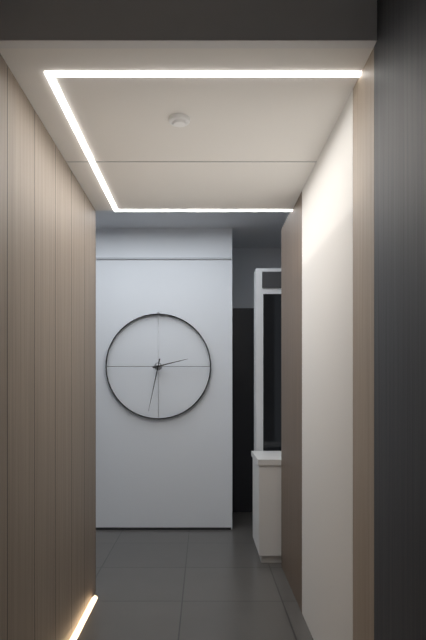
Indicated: 2,32
